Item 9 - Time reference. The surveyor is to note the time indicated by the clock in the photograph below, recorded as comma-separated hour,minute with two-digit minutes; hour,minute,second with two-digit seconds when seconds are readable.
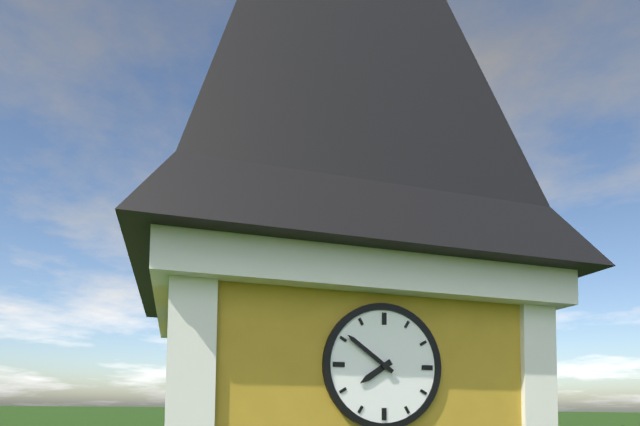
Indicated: 7,51
